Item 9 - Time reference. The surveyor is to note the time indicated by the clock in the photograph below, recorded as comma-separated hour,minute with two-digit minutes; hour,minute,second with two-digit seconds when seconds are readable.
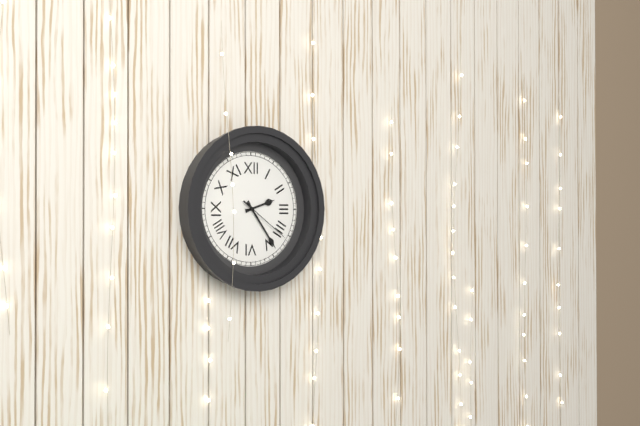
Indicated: 2,24,21
